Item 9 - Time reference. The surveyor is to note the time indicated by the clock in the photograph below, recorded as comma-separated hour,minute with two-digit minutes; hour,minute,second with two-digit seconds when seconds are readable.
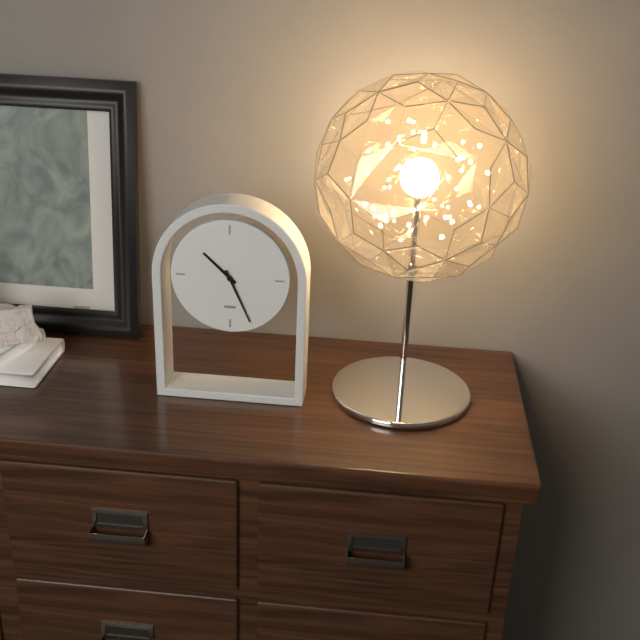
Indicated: 10,26
